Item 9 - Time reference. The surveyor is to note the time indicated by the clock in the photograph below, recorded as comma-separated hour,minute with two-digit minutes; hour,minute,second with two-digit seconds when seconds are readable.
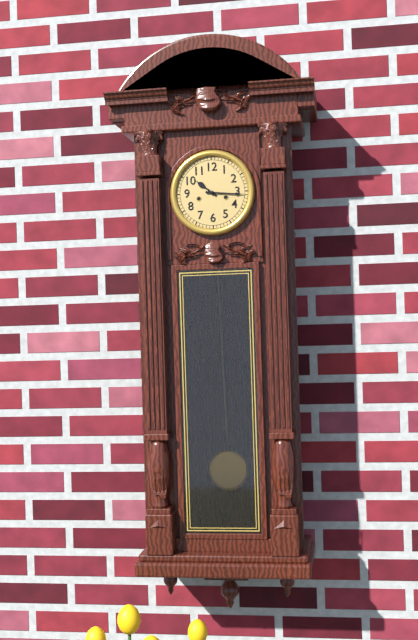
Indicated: 10,16
